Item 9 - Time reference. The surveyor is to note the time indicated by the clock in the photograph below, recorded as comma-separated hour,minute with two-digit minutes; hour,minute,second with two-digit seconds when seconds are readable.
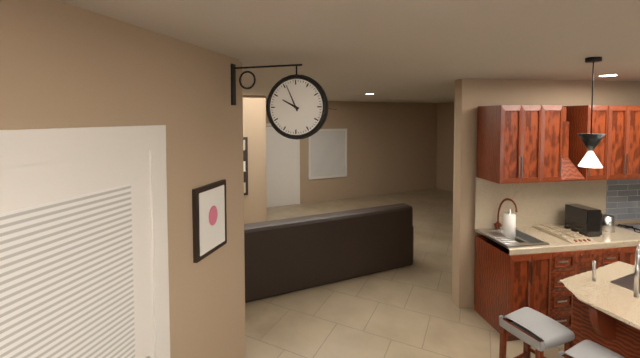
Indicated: 9,56
